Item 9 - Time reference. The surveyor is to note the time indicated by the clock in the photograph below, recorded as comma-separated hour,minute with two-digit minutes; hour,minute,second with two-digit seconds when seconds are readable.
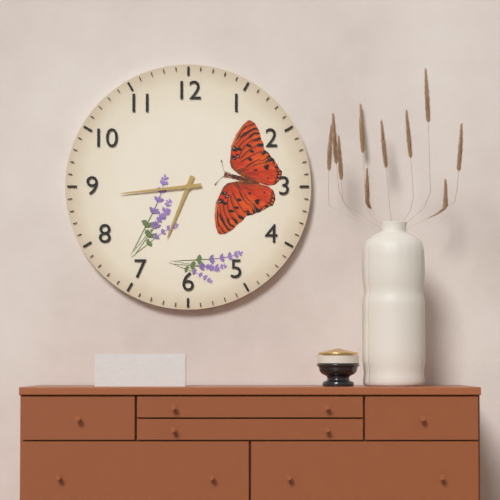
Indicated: 6,44
